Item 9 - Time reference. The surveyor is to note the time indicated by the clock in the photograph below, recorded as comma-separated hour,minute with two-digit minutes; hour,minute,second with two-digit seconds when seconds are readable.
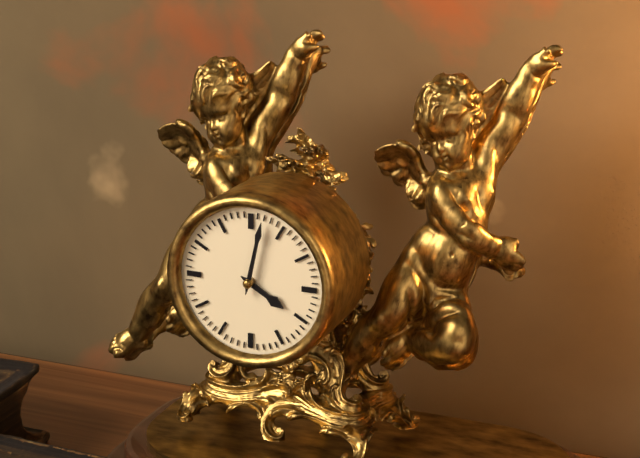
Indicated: 4,02
